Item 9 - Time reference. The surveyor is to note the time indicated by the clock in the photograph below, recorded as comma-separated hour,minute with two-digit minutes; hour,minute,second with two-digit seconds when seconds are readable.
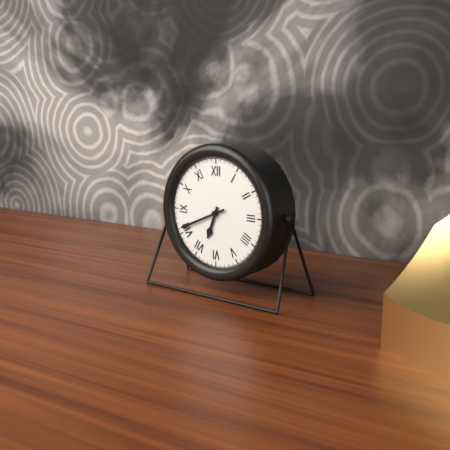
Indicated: 6,41
